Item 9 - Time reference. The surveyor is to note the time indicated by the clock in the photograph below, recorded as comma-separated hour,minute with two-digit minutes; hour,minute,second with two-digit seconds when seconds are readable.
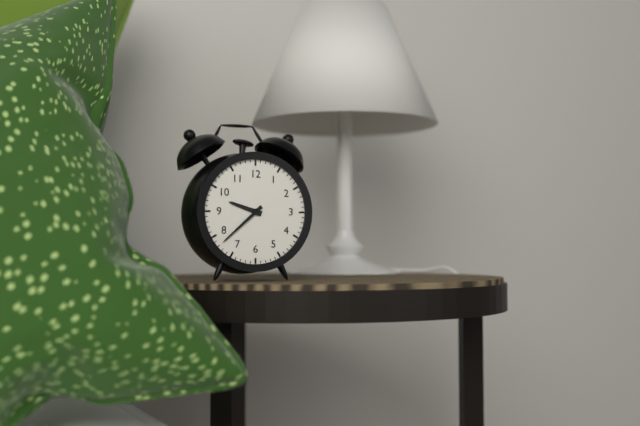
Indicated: 9,38
